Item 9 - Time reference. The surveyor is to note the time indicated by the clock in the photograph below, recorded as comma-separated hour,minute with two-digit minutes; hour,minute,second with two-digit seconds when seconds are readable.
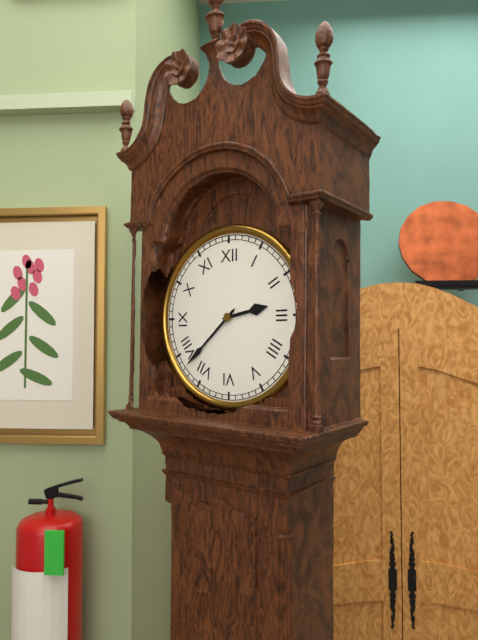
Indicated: 2,38
